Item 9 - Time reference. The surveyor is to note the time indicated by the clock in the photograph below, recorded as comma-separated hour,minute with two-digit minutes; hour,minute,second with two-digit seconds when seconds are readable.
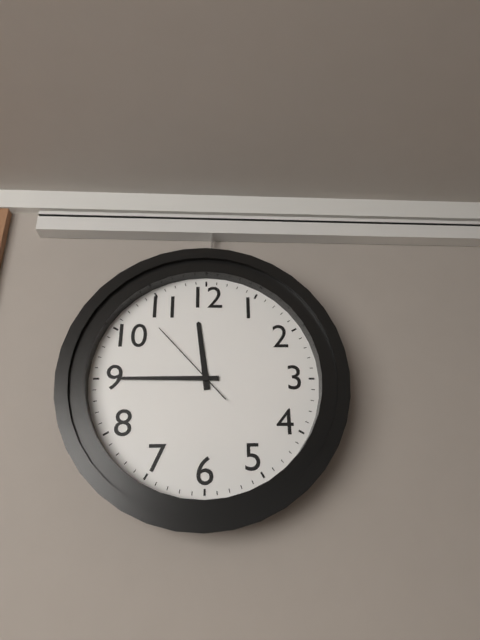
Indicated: 11,45,53
